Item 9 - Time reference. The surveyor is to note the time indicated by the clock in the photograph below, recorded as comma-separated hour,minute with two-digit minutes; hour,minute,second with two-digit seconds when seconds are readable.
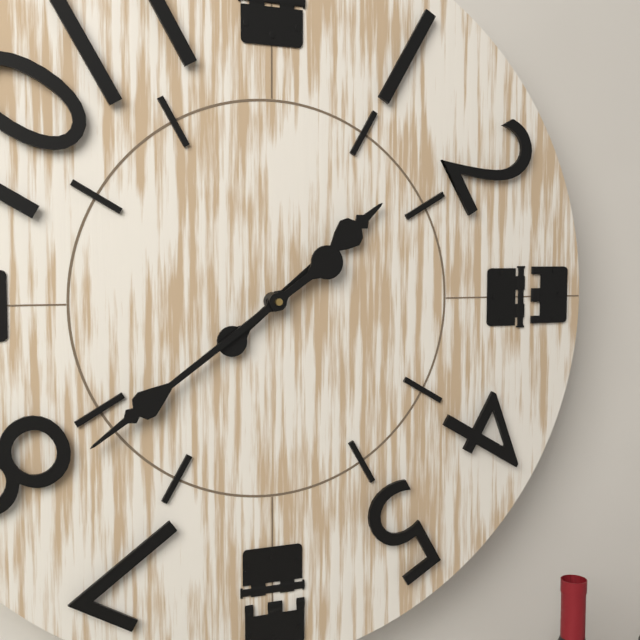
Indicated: 1,39
